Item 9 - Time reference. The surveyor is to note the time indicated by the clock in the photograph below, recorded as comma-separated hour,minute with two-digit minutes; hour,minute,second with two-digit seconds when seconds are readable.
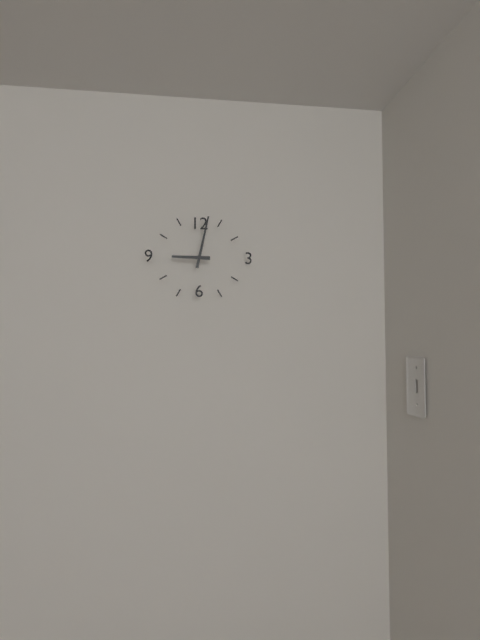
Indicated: 9,02
